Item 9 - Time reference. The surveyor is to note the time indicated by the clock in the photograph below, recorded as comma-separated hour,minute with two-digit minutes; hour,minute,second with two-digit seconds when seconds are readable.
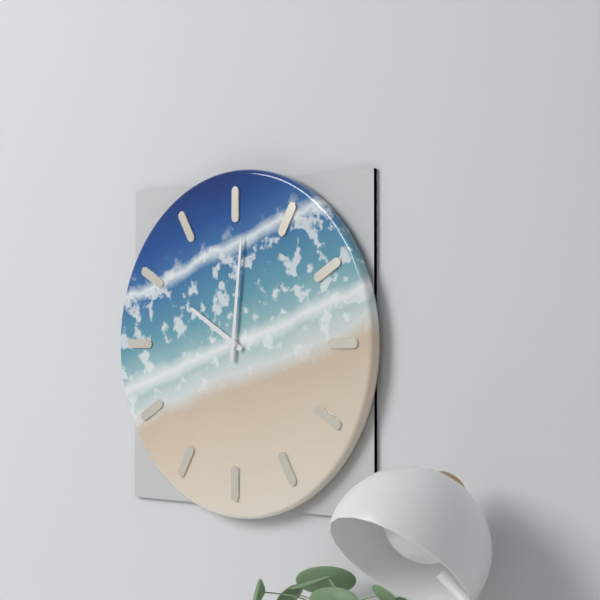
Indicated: 10,01
